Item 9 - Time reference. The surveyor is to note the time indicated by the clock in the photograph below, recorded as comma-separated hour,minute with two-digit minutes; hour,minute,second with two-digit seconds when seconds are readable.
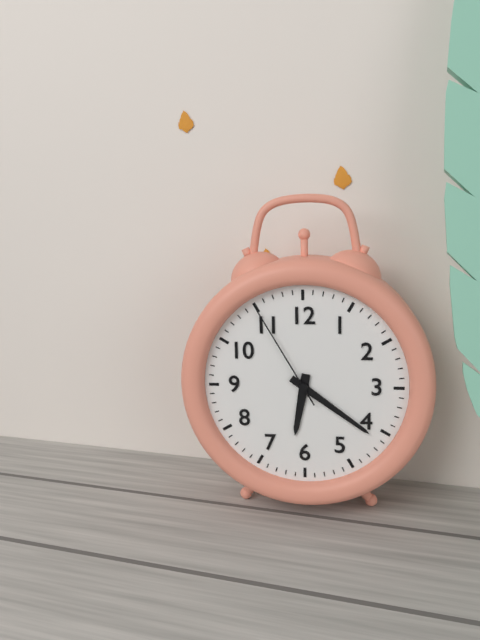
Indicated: 6,21,55
